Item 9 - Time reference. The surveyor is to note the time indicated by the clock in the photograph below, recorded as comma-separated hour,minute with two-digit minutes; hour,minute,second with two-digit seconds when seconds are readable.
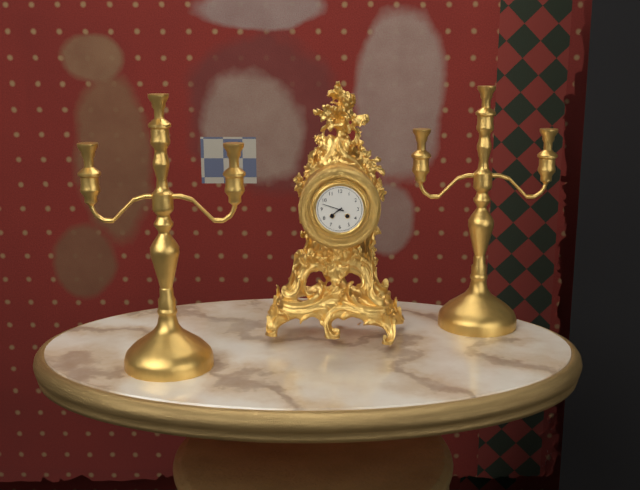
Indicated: 7,48
